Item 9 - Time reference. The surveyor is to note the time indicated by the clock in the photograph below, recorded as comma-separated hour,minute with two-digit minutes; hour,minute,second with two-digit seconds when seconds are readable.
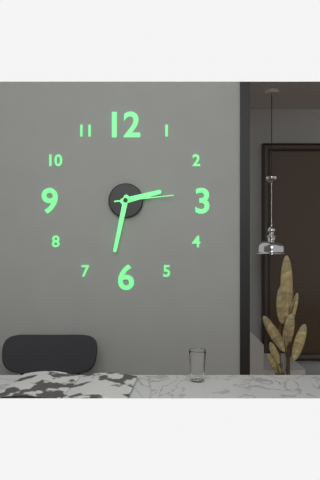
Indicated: 2,32,14
